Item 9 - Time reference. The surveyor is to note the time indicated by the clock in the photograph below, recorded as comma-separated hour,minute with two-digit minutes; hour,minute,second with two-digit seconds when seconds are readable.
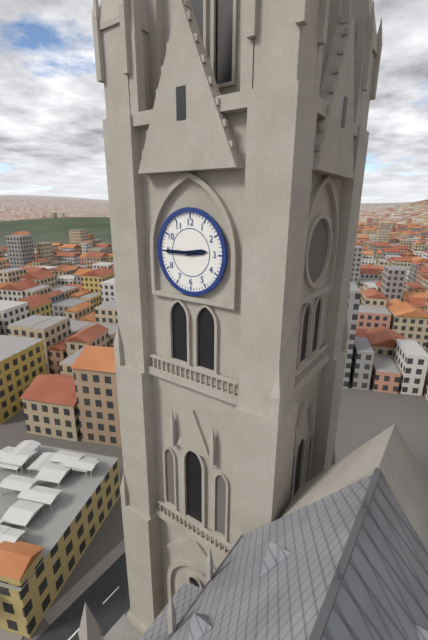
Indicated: 2,45
